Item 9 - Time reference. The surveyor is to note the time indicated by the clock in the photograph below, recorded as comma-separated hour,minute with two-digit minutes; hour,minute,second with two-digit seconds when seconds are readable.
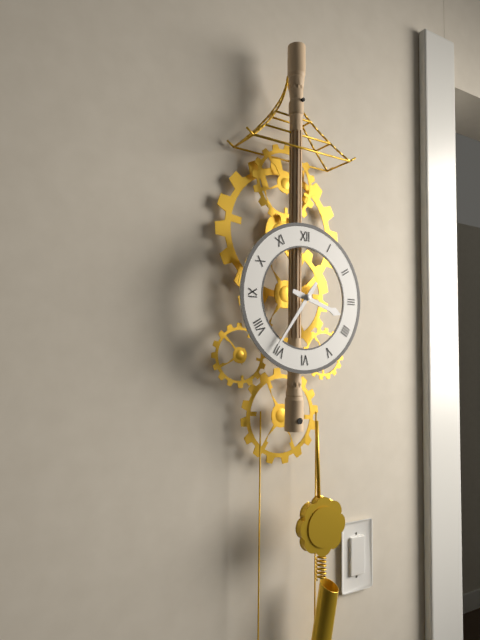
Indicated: 3,36
